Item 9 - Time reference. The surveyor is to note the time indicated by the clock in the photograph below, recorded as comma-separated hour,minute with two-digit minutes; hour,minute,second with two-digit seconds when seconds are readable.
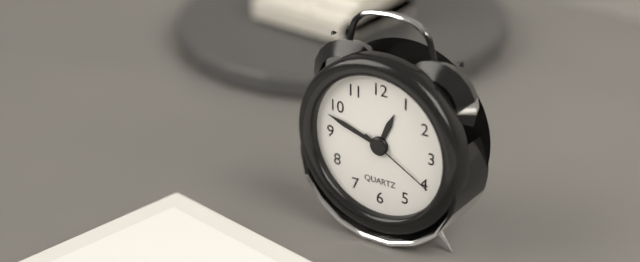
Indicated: 12,48,20
